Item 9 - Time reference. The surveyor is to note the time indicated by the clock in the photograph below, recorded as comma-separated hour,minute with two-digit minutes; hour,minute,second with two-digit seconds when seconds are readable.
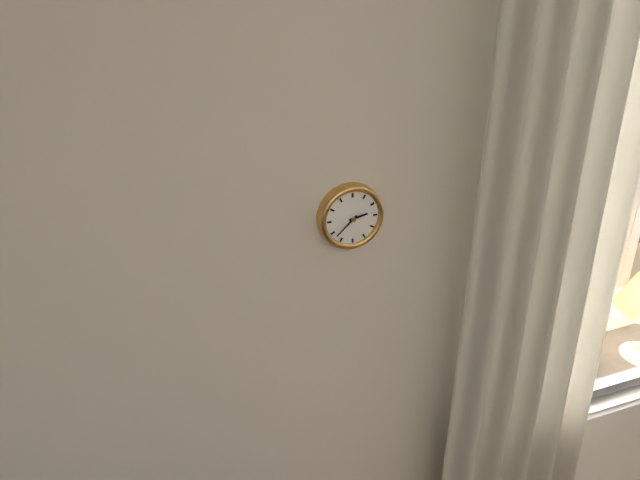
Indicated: 2,38
